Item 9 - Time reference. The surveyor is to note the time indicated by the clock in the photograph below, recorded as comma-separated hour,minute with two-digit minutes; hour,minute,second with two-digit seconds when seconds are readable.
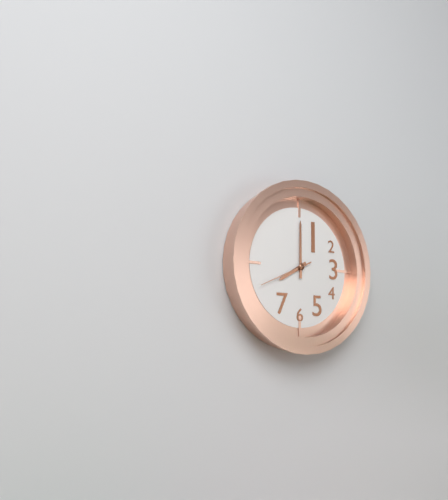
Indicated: 8,00,41
